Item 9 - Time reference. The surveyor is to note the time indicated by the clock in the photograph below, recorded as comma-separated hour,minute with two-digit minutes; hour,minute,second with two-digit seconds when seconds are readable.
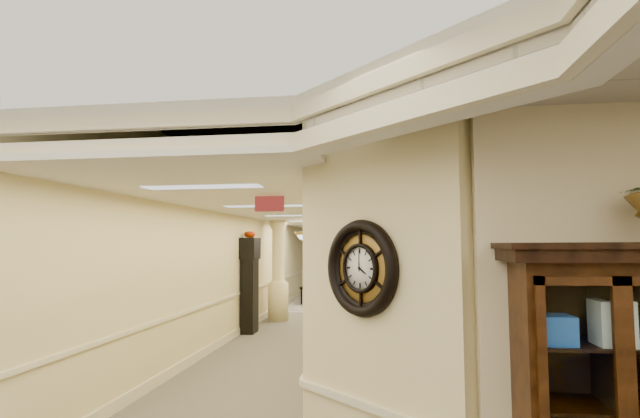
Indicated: 4,00
